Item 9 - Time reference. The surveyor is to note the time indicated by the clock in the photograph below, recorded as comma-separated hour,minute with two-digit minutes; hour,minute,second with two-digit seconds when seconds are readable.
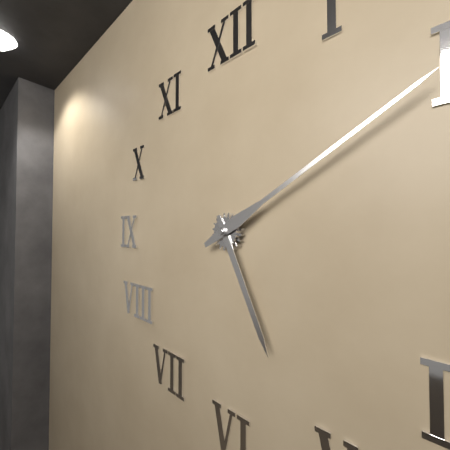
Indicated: 5,10
